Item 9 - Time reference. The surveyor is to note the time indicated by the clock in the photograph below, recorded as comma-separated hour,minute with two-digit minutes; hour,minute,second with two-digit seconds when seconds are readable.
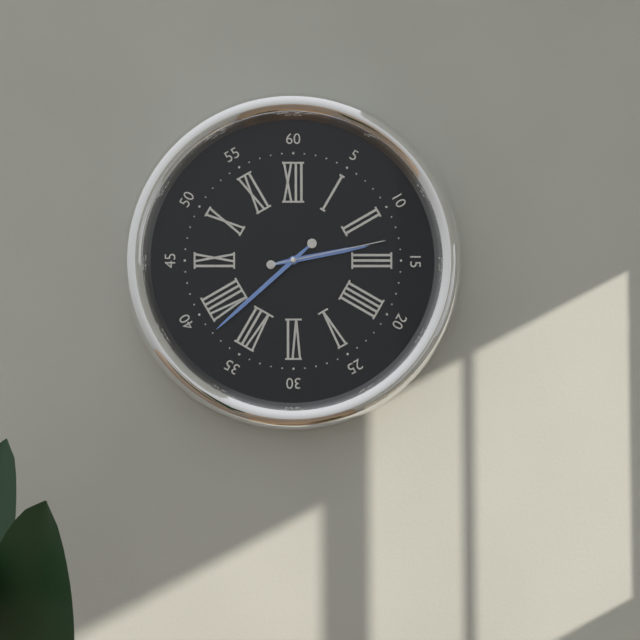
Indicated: 2,38,13
